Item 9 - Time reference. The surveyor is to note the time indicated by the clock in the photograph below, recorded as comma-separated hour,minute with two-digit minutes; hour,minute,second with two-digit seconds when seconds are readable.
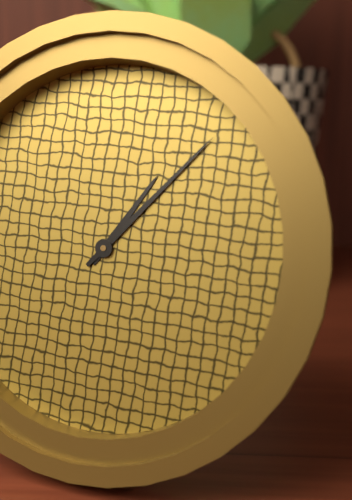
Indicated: 1,07
